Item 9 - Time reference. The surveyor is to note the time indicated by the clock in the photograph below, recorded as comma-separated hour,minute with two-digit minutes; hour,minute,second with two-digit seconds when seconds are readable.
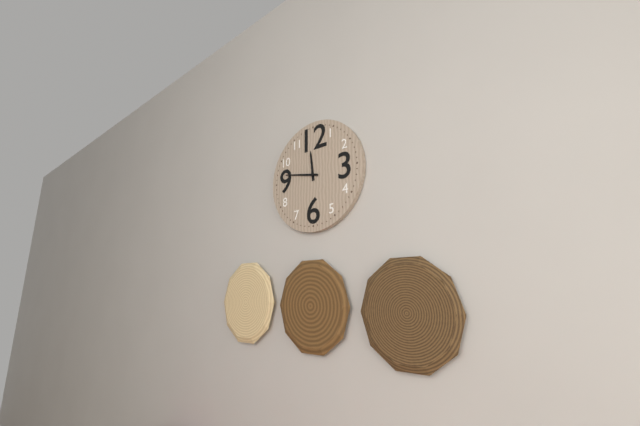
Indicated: 11,47
